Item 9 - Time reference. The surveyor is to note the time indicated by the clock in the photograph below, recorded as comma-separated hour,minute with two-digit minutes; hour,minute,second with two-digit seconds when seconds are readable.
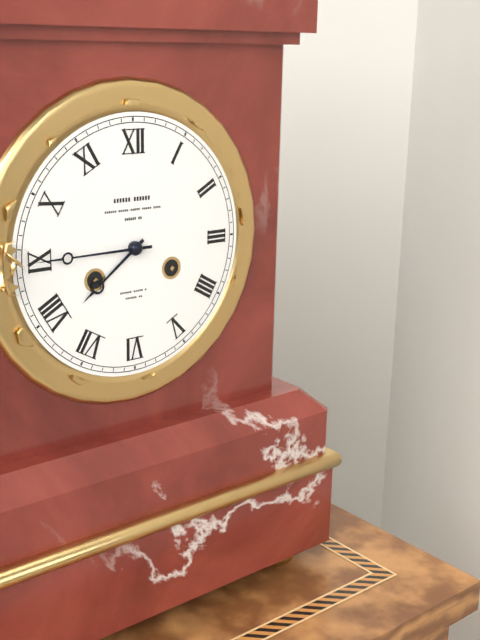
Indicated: 7,45
